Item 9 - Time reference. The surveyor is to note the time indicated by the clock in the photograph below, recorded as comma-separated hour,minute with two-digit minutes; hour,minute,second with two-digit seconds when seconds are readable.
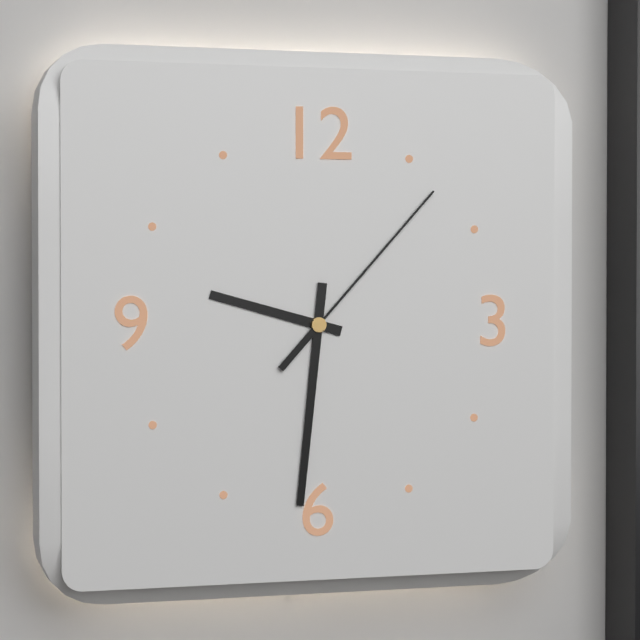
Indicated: 9,31,07
